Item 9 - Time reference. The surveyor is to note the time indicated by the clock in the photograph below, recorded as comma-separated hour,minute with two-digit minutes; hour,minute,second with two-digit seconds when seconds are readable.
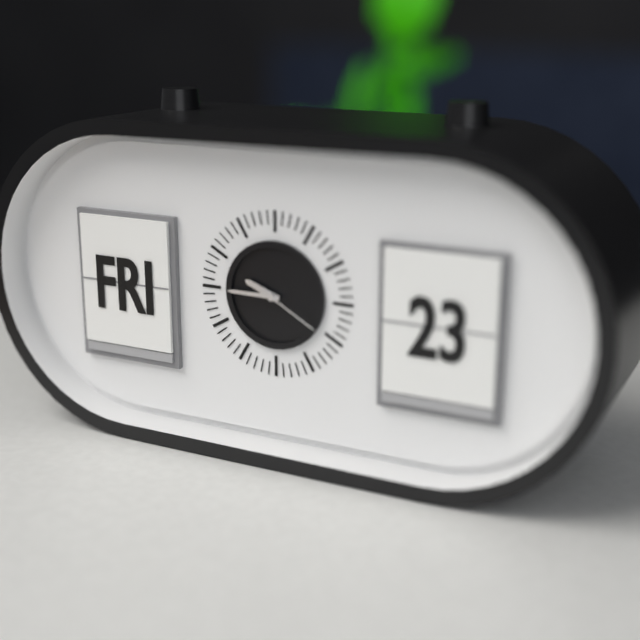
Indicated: 9,45,20
